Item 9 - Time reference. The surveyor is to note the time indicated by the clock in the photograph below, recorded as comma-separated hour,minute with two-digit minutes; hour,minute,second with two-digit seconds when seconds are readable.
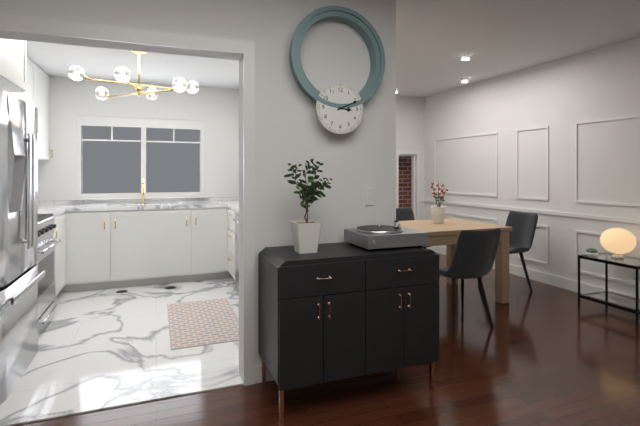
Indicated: 3,11
